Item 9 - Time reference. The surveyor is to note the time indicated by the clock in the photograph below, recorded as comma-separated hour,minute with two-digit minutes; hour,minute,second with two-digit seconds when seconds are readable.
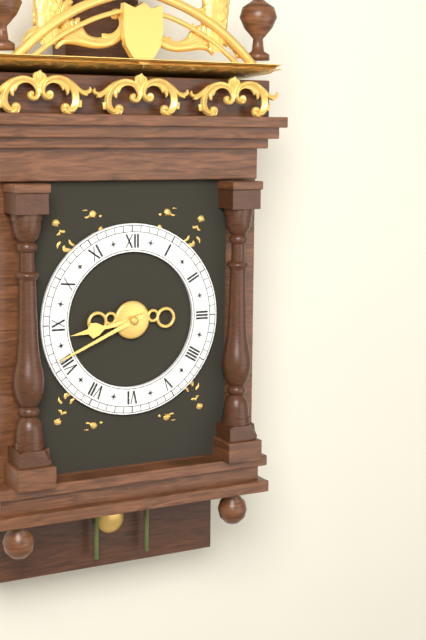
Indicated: 8,41
